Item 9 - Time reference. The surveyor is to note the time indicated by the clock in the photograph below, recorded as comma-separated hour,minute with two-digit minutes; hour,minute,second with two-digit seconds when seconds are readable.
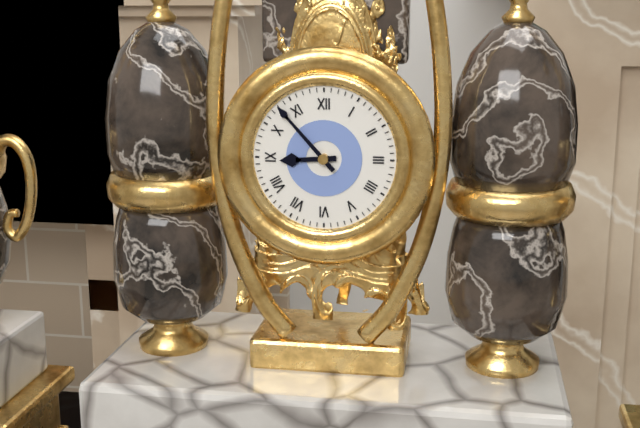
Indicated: 8,53
